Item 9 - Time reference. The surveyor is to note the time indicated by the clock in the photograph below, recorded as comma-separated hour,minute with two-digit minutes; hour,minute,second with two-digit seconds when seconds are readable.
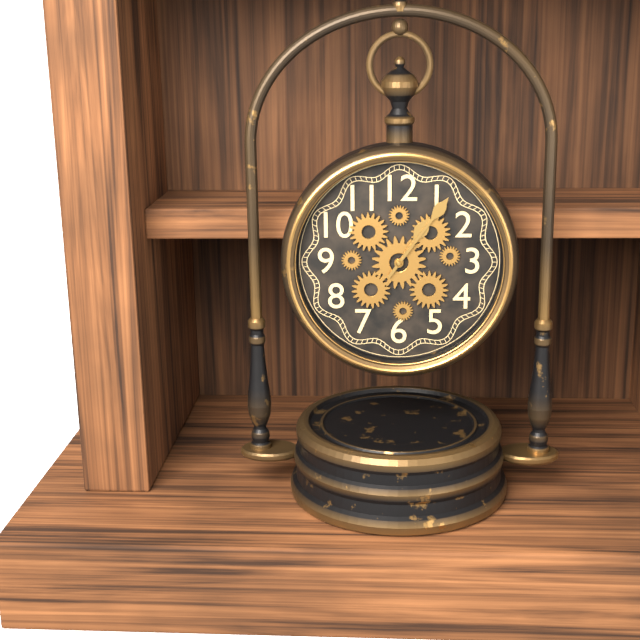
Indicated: 1,06
